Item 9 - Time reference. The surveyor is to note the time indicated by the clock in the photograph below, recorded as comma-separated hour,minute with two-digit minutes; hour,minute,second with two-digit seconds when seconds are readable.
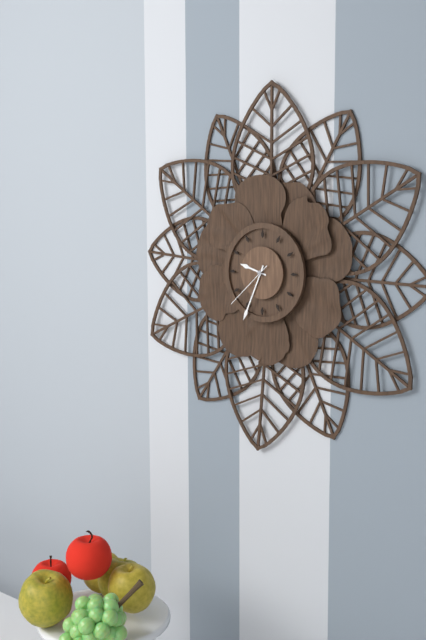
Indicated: 9,34,38
